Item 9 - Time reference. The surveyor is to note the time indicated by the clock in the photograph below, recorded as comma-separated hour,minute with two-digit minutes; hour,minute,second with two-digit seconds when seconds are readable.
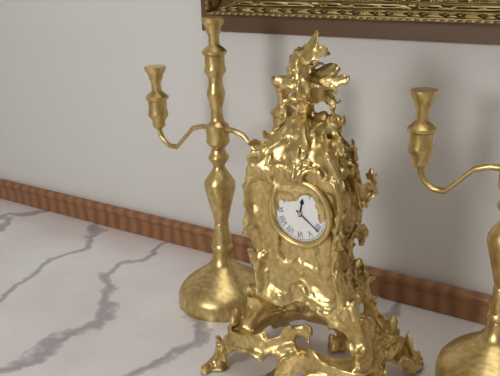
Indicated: 12,21
